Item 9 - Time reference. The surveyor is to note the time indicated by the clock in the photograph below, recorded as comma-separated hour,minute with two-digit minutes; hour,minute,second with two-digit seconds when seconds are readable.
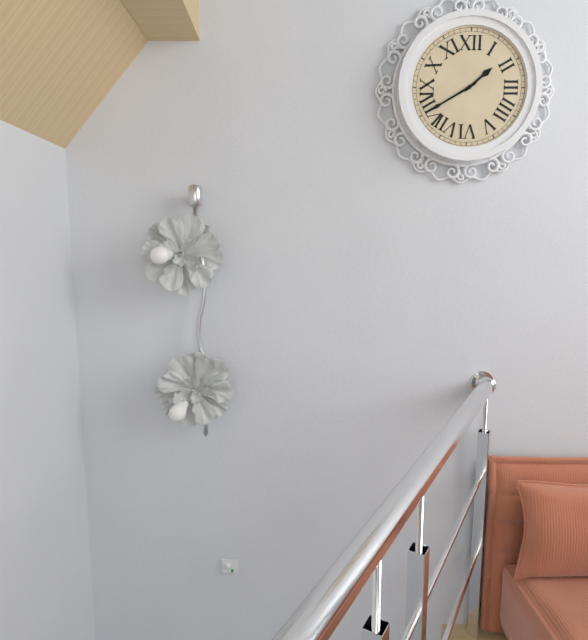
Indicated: 1,40
